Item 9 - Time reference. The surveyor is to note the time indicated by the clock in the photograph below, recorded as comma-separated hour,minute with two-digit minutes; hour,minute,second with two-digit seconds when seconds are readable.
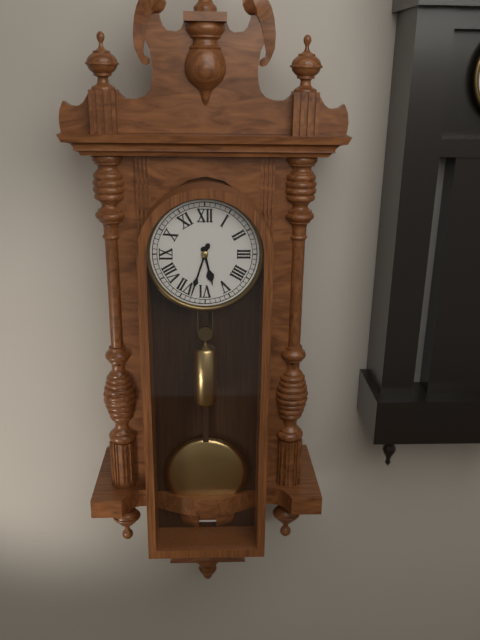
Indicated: 5,33
